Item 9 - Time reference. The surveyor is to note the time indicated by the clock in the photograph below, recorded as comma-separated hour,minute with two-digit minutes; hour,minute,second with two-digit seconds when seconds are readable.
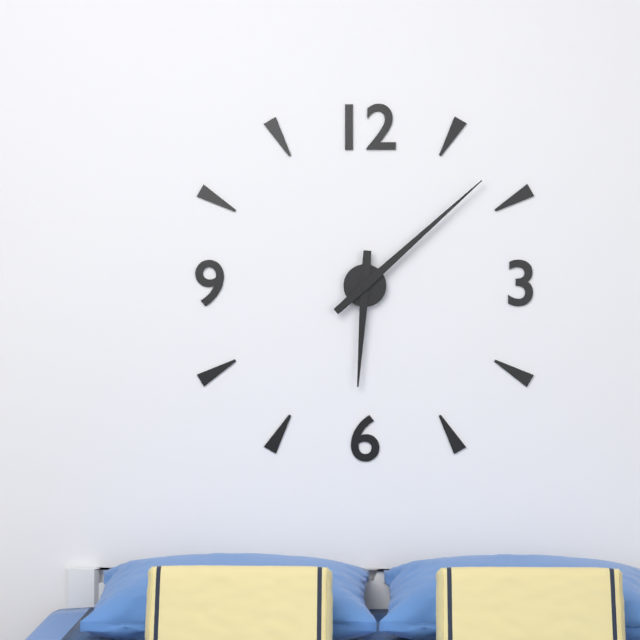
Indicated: 6,08
